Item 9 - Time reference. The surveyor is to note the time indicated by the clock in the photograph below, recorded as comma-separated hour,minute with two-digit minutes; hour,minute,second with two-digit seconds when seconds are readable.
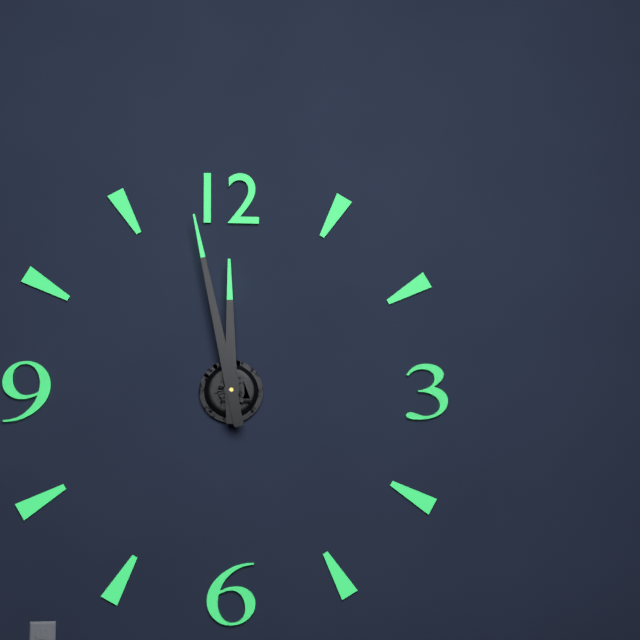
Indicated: 11,58
